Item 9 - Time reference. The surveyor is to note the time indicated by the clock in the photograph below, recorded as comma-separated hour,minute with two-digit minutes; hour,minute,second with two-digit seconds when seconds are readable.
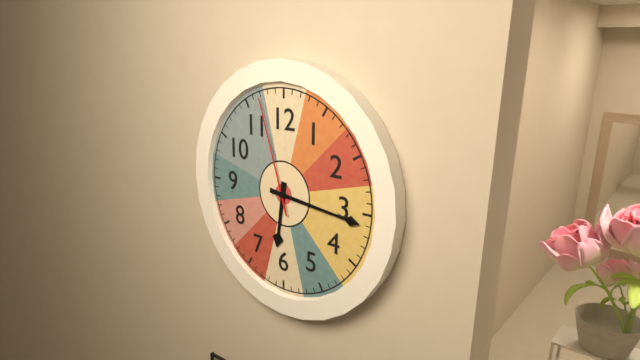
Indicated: 6,16,57
